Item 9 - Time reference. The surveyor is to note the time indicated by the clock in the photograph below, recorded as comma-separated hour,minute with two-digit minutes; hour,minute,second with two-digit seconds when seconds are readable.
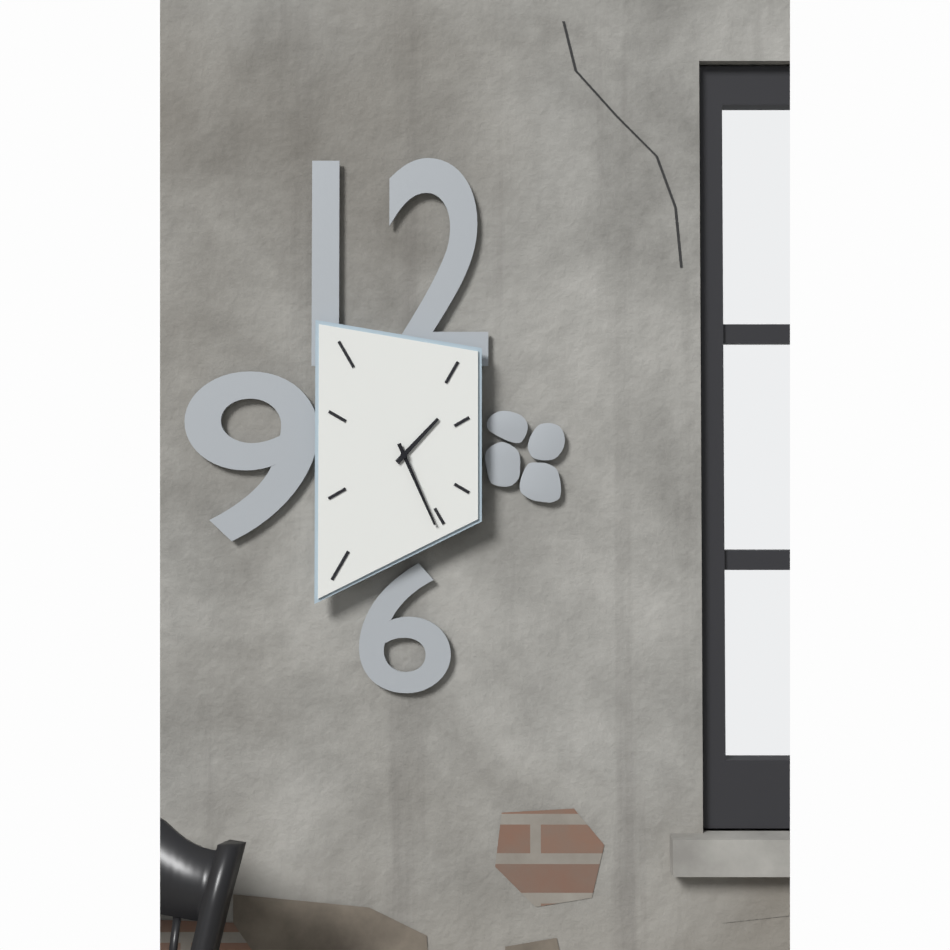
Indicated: 1,26
